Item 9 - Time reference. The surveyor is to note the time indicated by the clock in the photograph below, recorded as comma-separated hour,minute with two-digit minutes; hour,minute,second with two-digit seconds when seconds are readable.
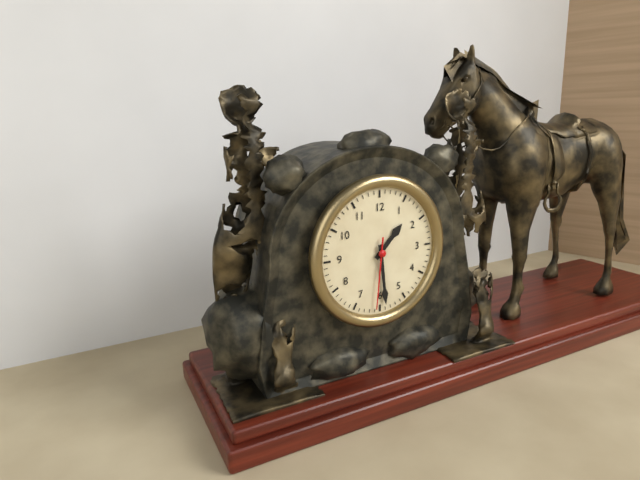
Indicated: 1,29,31
